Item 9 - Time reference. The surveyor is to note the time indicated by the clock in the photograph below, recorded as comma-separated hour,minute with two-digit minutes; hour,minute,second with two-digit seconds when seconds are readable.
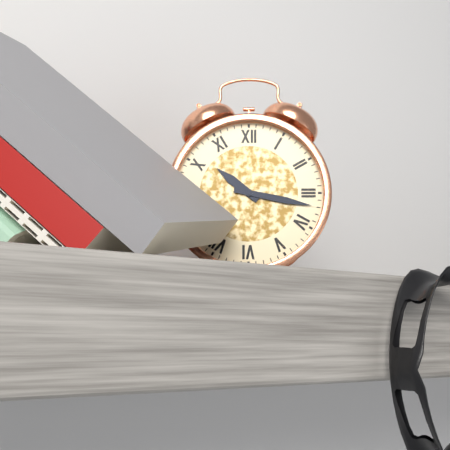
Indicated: 10,17
